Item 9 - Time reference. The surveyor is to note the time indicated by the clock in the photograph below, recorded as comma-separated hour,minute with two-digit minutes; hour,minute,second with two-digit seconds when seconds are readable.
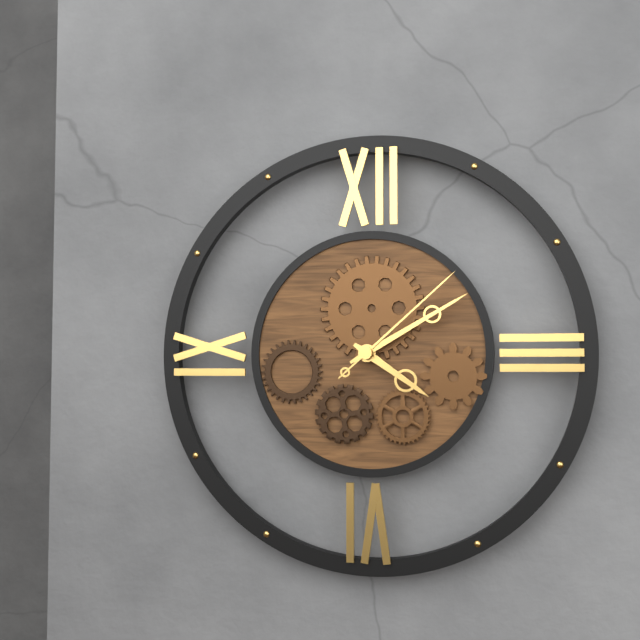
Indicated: 4,10,08
